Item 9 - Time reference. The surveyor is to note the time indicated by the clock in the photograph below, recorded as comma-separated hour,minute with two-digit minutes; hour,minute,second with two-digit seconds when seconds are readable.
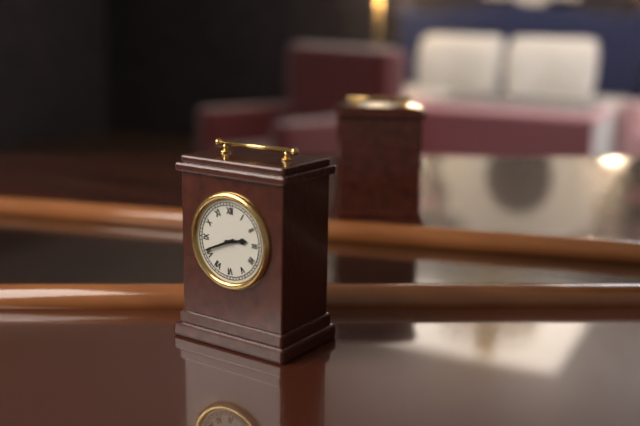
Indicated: 2,41
